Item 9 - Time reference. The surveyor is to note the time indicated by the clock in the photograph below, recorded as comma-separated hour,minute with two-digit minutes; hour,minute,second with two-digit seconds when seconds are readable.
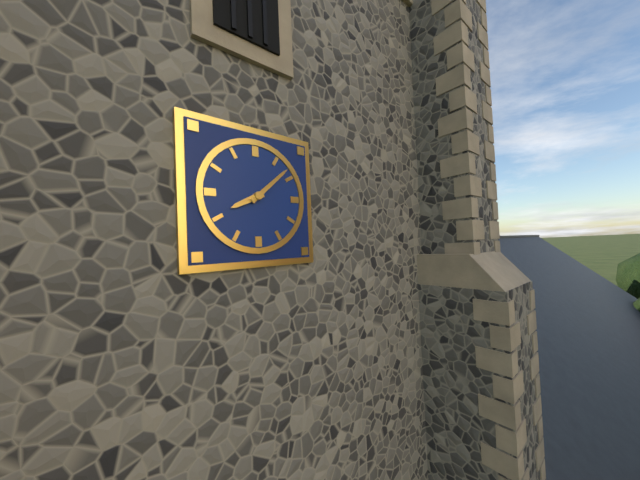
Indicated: 8,08
